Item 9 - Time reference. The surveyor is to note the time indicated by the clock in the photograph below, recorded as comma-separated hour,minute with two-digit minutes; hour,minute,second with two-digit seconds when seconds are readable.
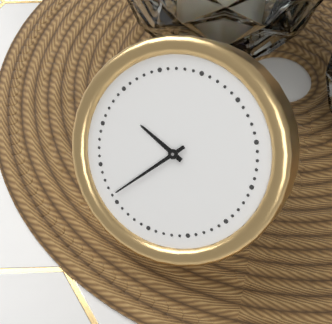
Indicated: 9,36
